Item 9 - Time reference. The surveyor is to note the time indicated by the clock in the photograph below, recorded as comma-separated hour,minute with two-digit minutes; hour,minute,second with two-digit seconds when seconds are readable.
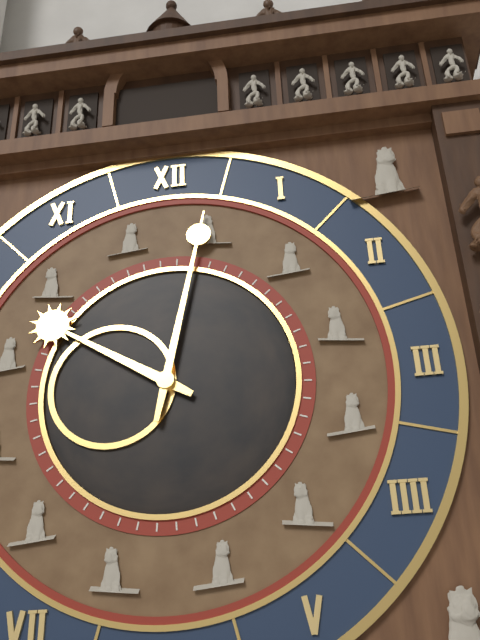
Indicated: 10,02
